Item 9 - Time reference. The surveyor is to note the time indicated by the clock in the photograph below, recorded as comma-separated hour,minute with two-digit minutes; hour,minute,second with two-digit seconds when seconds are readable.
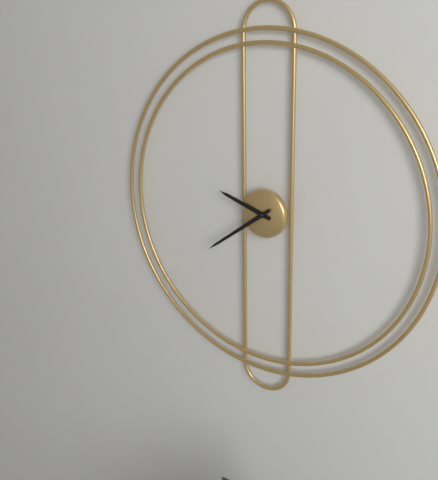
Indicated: 9,39
